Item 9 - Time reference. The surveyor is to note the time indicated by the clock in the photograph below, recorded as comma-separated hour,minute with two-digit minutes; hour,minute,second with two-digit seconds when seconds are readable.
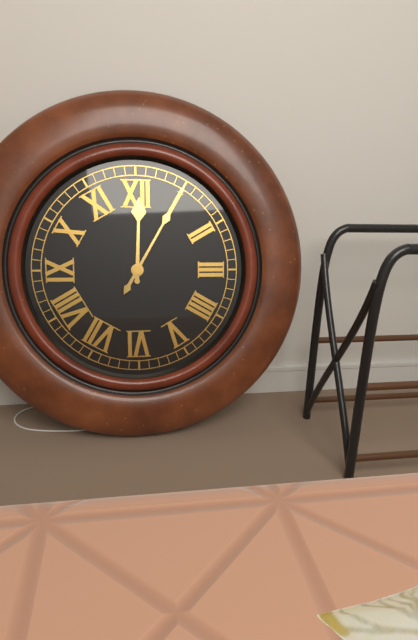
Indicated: 12,05
